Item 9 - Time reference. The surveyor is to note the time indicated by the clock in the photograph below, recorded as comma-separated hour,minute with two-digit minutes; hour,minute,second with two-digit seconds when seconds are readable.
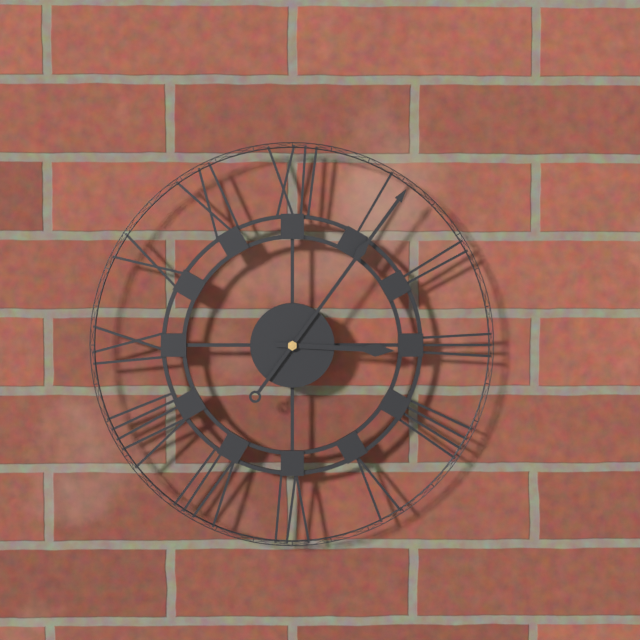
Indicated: 3,06
